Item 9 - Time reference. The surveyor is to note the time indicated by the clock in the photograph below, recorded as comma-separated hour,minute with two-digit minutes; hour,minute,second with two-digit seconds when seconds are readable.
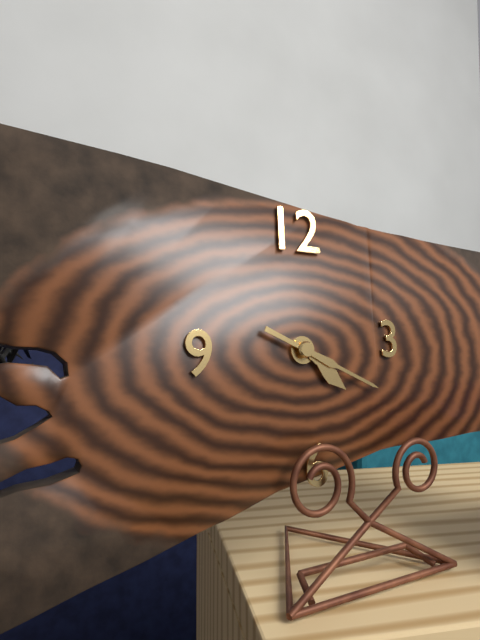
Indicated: 4,19
